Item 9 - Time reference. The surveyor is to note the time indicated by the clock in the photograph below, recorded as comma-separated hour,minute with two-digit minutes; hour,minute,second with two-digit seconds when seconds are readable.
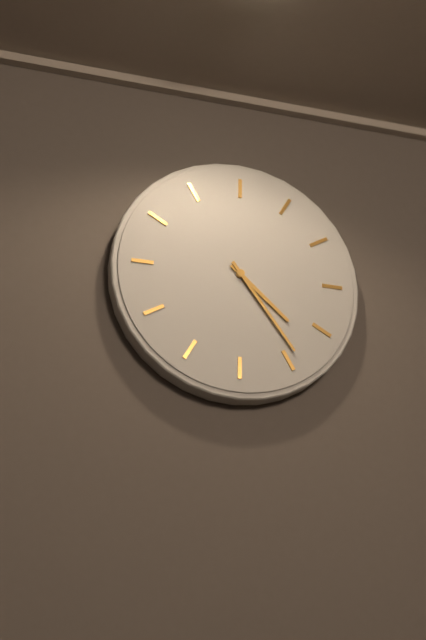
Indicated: 4,24
